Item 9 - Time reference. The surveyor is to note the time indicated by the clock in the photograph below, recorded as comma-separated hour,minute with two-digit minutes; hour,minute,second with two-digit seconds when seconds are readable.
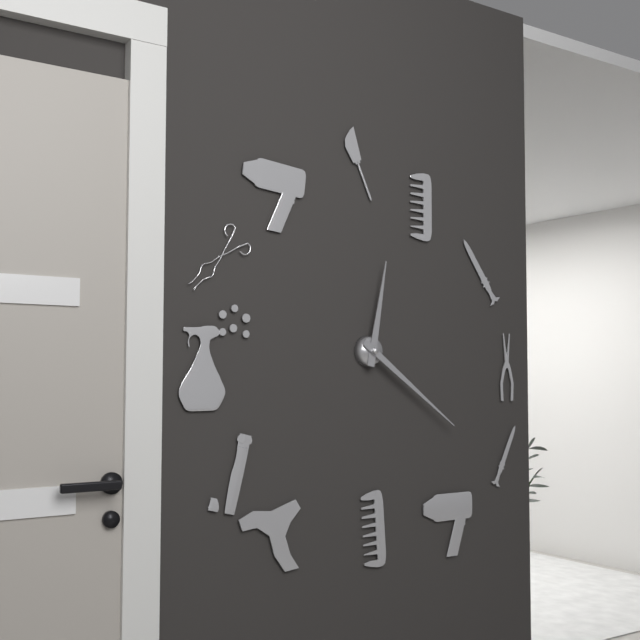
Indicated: 12,21
